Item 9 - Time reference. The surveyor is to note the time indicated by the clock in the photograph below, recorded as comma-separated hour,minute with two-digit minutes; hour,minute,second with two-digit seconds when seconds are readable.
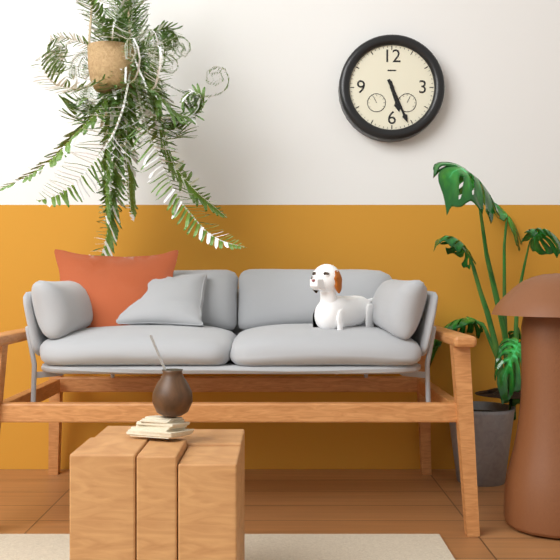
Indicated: 5,26
